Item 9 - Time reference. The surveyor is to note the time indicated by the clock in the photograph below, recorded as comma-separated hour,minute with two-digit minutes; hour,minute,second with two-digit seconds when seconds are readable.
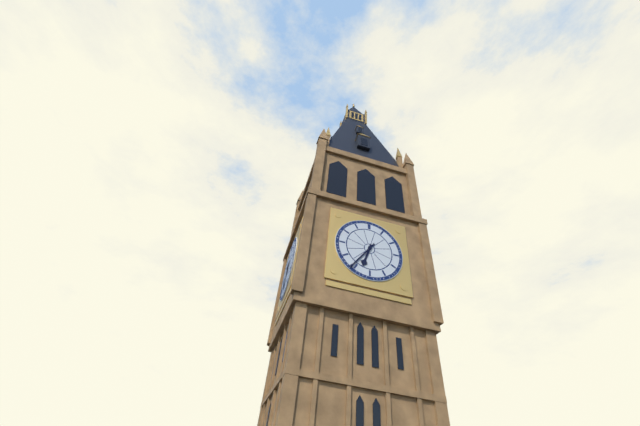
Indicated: 6,36
